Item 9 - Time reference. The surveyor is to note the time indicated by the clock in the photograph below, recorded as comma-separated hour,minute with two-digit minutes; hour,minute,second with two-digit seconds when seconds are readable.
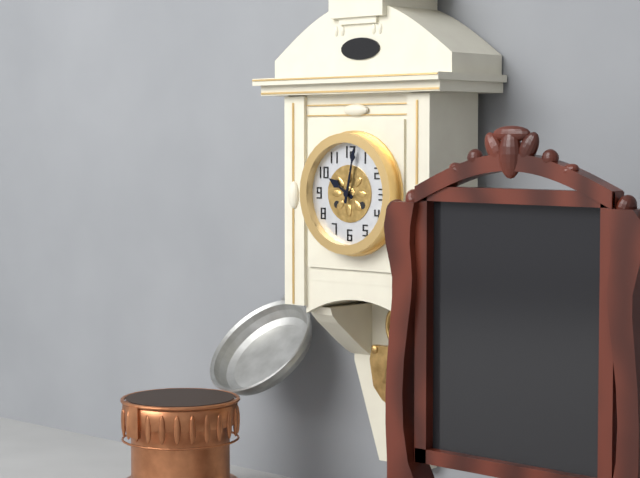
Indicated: 10,02
